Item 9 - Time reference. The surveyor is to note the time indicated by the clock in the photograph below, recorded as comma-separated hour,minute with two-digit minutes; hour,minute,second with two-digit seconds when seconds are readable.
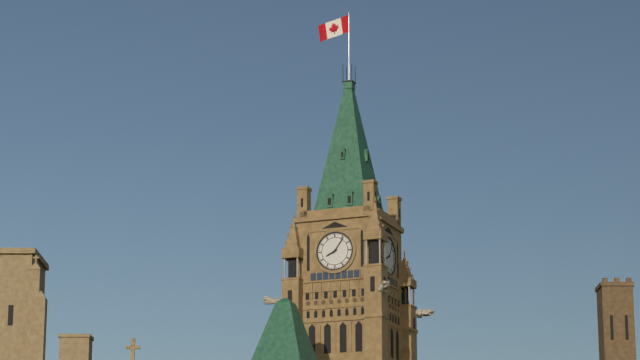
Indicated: 8,06
